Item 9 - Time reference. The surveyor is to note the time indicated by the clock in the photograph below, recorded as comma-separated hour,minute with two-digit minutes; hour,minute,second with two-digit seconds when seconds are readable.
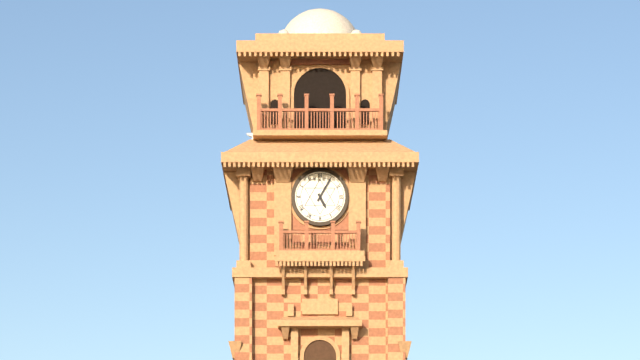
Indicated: 5,05
